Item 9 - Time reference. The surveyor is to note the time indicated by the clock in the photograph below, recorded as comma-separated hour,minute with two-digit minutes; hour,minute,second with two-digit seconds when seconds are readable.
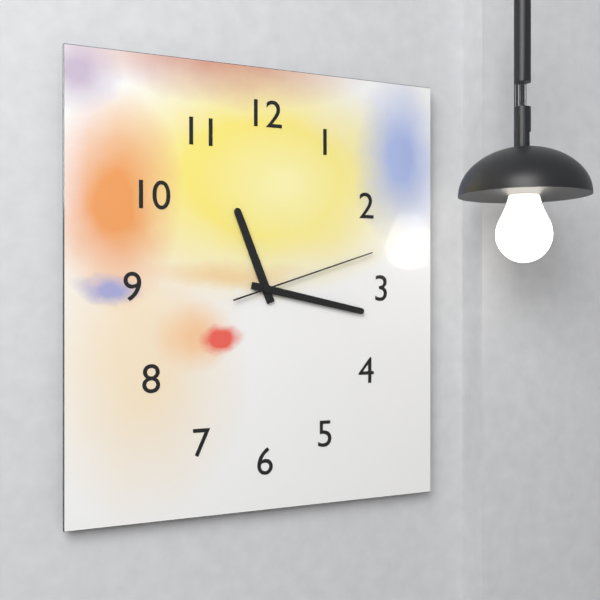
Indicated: 11,17,12
